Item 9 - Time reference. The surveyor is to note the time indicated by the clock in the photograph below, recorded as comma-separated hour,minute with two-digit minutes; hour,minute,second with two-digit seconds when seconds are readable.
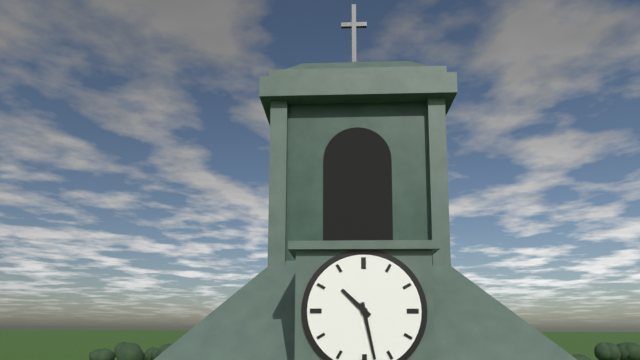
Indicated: 10,28
